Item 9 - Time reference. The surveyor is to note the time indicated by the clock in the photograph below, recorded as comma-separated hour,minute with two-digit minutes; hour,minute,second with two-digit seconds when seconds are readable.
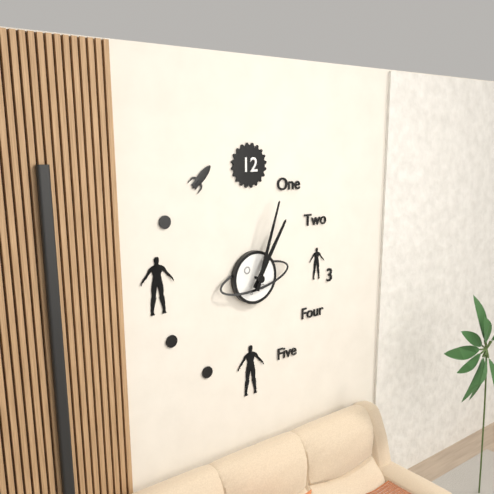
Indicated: 1,03
